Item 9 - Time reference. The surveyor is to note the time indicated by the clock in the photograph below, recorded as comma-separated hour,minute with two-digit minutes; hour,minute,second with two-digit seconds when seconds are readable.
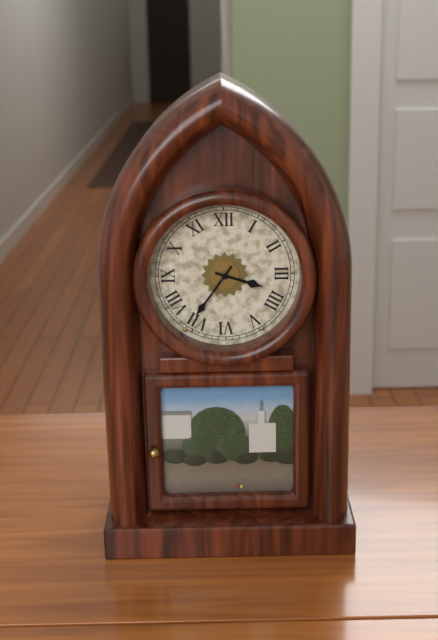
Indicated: 3,36
